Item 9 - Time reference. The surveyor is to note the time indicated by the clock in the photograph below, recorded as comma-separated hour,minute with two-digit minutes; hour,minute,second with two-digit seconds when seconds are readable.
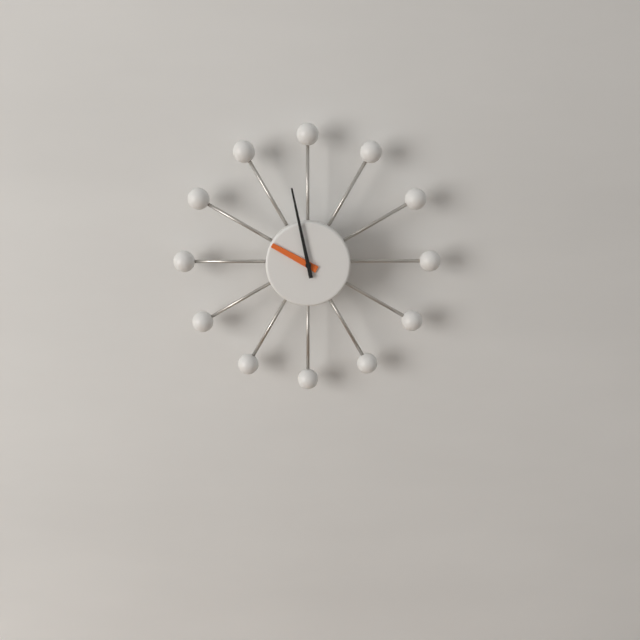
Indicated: 9,58
